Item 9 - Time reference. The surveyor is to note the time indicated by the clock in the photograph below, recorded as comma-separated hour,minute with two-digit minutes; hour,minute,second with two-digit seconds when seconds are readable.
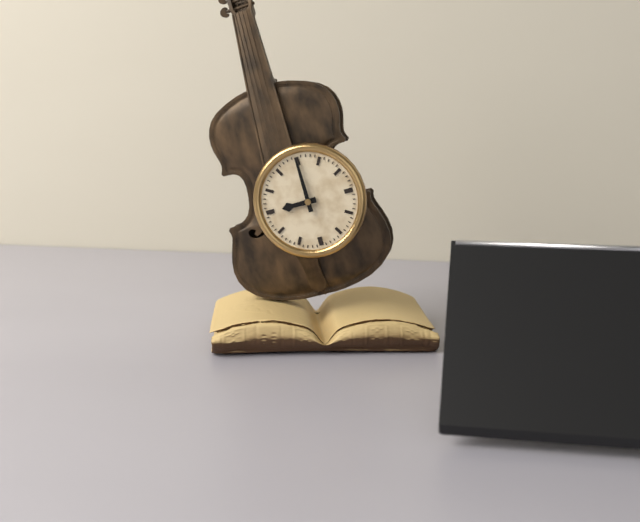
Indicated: 9,00
